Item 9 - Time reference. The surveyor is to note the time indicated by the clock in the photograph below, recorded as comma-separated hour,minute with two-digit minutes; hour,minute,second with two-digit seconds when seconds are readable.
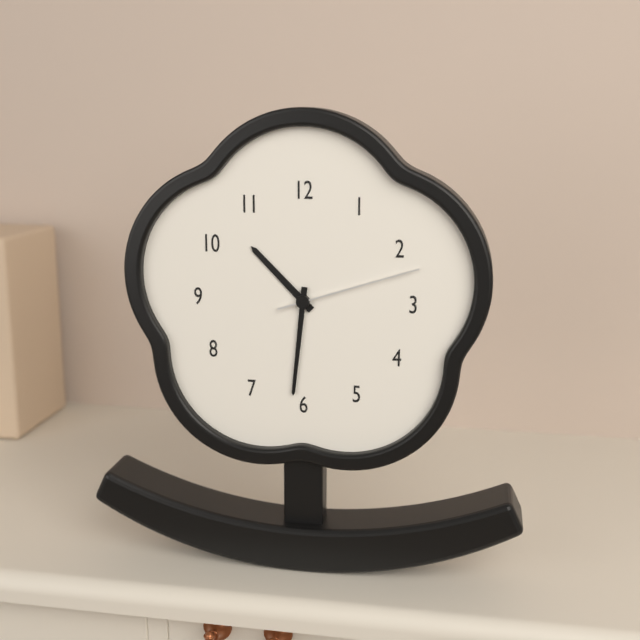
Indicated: 10,31,12
